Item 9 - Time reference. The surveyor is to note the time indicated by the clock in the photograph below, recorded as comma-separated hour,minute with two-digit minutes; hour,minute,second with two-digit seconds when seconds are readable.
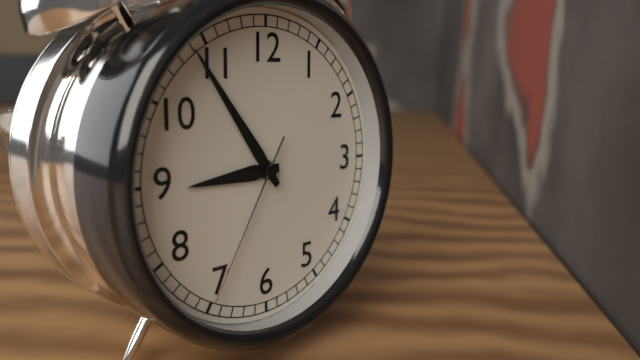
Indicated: 8,54,35
